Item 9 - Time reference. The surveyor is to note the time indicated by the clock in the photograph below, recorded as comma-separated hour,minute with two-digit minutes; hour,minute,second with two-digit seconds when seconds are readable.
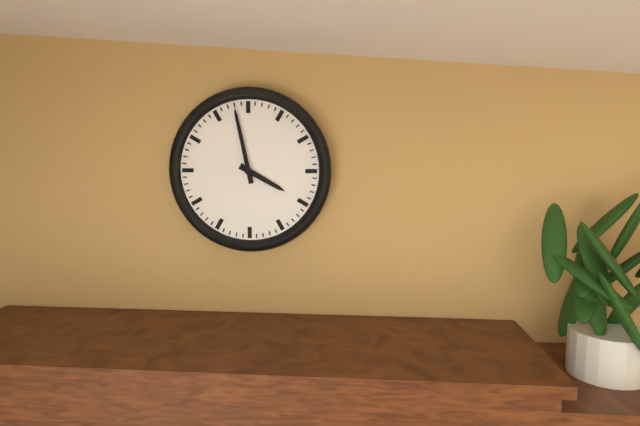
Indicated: 3,58
